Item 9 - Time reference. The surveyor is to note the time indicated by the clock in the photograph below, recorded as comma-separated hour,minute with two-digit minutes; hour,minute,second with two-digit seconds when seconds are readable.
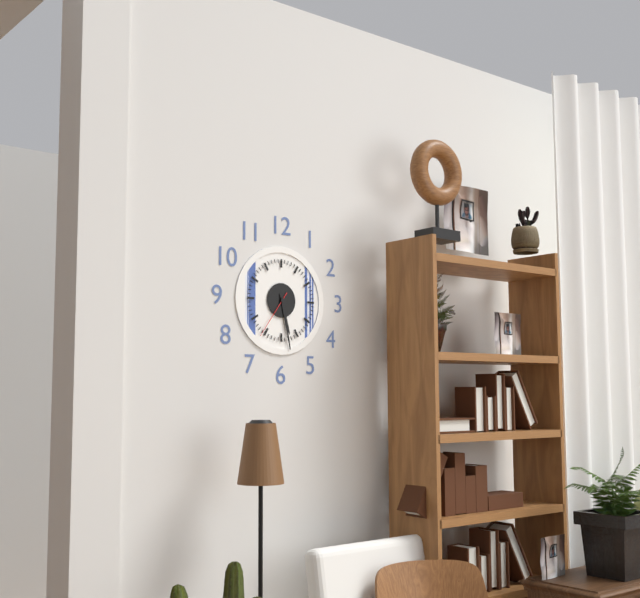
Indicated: 5,28,36
